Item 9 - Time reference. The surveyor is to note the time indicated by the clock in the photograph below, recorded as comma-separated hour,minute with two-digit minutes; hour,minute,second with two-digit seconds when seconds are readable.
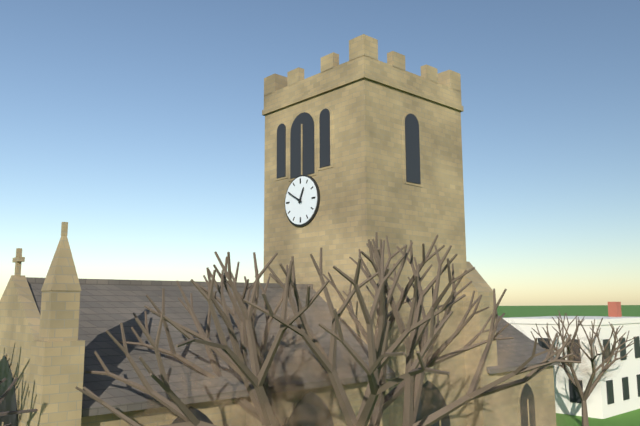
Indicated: 12,50
